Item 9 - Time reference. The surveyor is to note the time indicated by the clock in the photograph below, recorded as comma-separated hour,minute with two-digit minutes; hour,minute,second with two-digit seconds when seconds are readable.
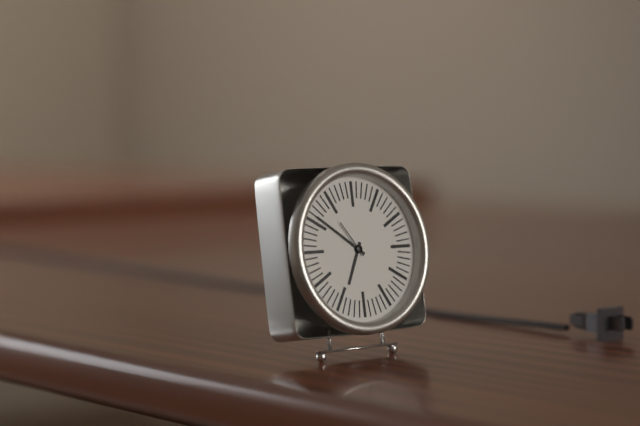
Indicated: 6,51
